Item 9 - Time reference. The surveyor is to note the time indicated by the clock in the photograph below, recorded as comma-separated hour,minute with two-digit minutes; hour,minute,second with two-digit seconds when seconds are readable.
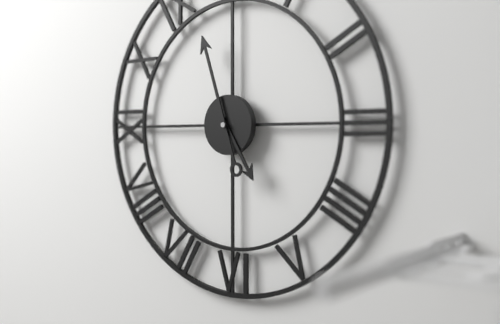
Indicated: 4,57
